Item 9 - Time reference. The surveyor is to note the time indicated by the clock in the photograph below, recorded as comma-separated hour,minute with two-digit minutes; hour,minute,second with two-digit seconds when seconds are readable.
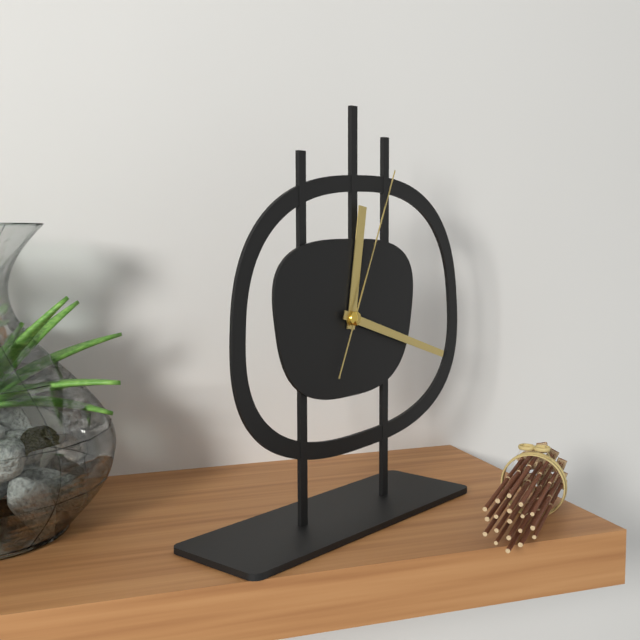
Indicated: 12,18,04
